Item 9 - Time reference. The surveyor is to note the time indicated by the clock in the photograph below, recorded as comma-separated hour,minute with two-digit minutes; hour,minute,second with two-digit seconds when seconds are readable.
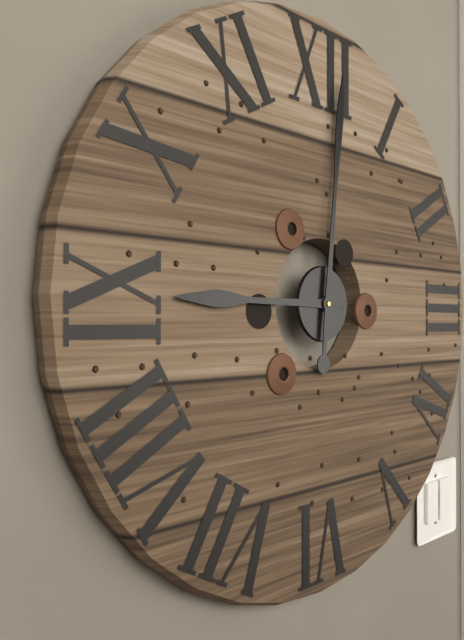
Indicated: 9,01
